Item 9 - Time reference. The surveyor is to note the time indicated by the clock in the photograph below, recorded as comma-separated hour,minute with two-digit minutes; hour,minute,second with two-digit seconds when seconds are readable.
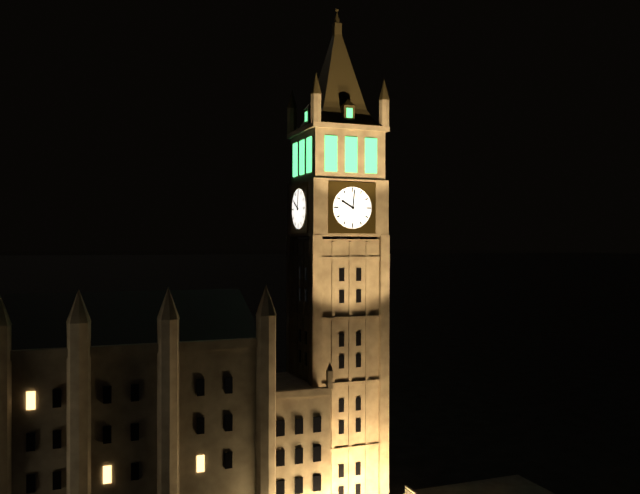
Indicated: 10,01
